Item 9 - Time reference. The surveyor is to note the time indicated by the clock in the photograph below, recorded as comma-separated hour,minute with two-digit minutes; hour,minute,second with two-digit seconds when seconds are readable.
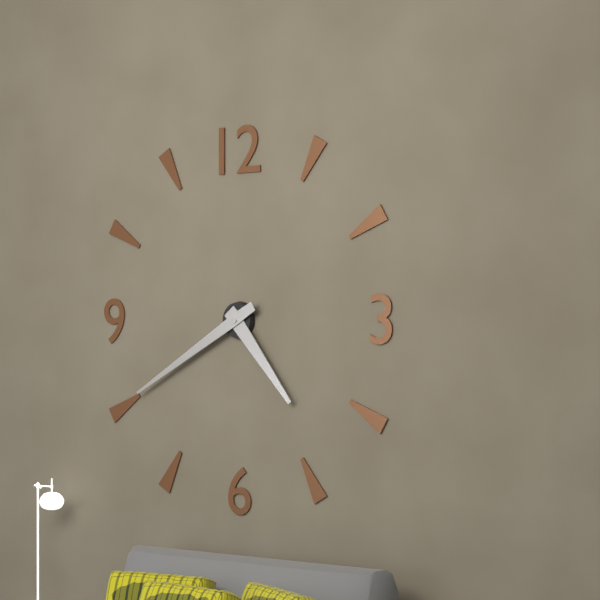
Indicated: 4,40
